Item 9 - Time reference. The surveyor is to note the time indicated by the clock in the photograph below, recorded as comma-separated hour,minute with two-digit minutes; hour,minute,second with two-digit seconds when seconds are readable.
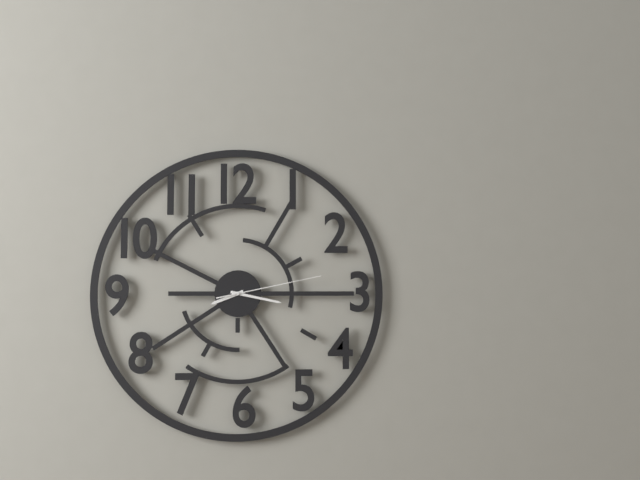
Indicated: 8,17,13
